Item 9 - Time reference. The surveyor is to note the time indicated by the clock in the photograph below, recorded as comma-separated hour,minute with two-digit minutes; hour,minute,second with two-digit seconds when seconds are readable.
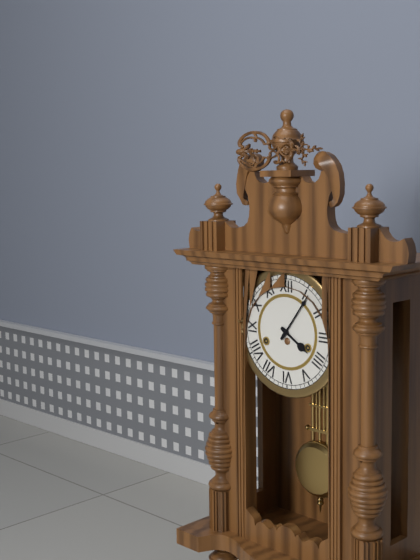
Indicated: 4,06
